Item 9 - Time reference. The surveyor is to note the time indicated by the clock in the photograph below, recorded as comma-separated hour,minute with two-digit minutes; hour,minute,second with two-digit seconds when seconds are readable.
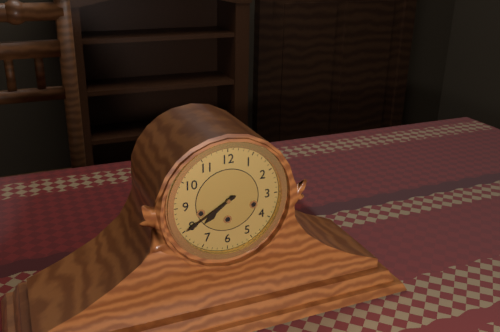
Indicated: 7,40
